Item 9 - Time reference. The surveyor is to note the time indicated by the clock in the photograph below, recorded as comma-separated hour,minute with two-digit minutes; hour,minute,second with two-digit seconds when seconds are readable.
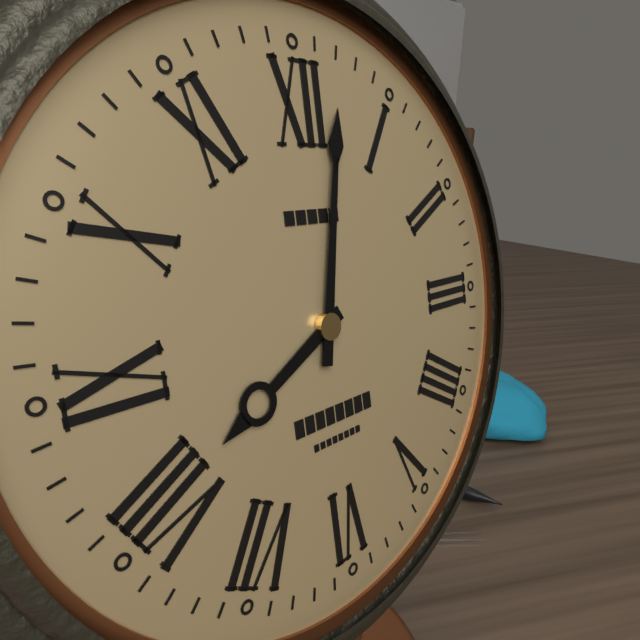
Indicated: 8,02
